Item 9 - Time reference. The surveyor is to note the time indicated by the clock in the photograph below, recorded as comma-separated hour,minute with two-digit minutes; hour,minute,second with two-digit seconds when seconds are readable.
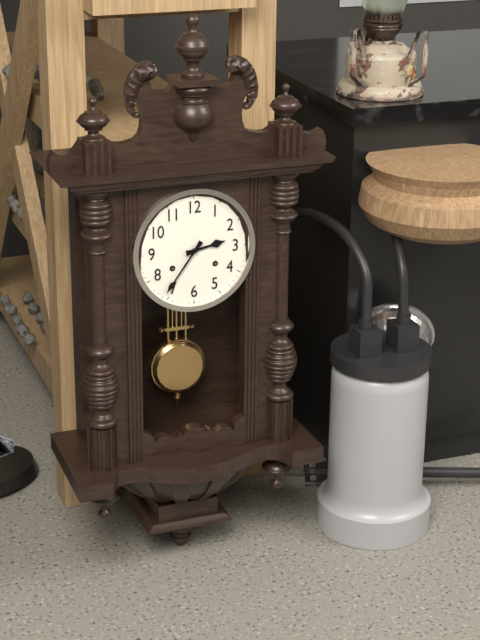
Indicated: 2,36
